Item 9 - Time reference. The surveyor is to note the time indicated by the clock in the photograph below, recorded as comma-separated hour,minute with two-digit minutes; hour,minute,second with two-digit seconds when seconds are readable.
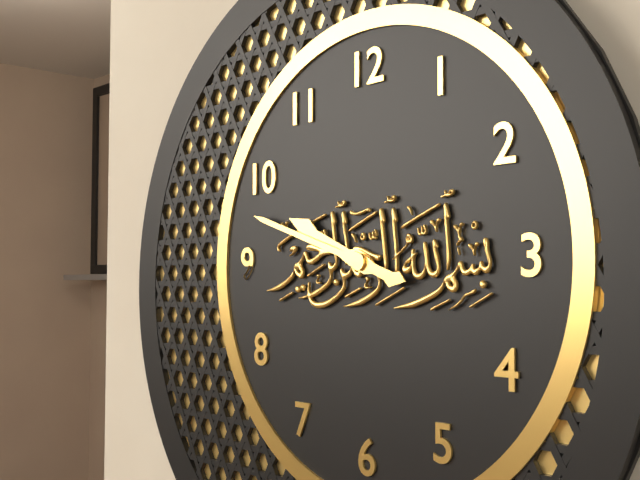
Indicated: 9,48
